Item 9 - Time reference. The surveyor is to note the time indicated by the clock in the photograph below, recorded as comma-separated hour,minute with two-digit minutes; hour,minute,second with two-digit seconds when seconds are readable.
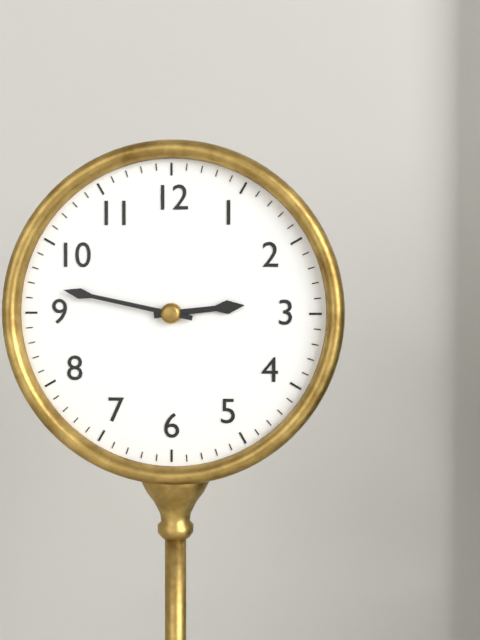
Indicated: 2,47
